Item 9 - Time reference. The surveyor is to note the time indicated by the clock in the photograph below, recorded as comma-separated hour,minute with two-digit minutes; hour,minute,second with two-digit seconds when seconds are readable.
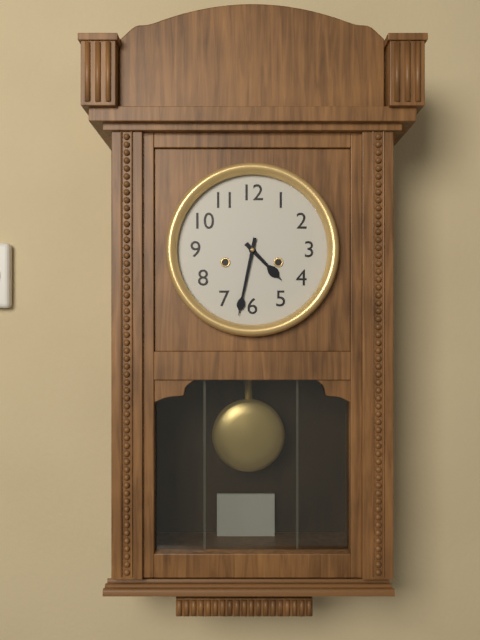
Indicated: 4,32
